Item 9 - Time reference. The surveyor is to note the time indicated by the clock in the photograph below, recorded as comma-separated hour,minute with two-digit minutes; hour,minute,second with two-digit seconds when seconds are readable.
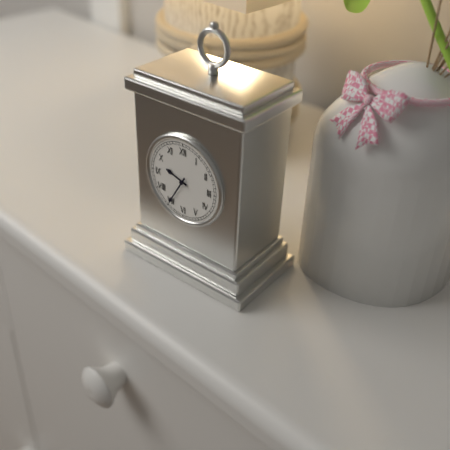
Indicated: 9,35
